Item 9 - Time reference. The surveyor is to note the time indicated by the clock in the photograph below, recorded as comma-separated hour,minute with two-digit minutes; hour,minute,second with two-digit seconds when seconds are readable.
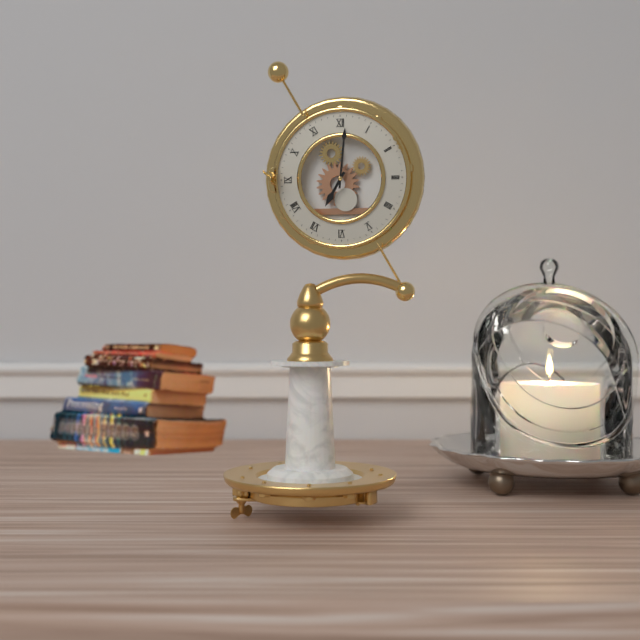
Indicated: 7,01
